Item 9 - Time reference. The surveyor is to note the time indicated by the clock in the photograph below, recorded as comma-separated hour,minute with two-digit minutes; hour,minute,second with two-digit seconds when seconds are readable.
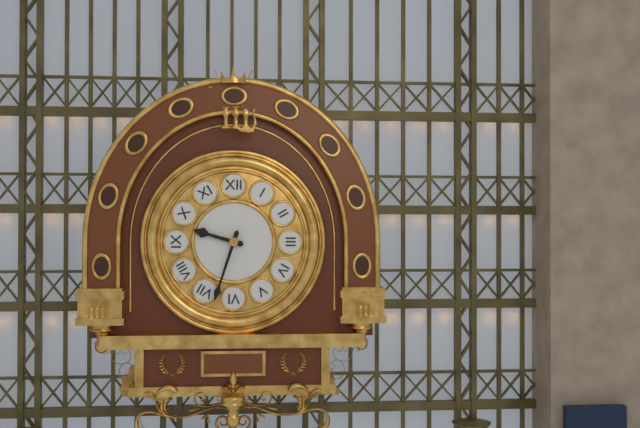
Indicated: 9,33
